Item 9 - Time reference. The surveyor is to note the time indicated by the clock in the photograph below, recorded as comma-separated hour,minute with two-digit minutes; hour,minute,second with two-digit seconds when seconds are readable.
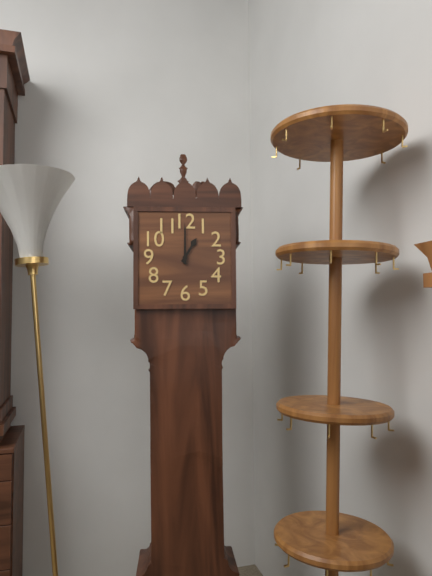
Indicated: 1,00
